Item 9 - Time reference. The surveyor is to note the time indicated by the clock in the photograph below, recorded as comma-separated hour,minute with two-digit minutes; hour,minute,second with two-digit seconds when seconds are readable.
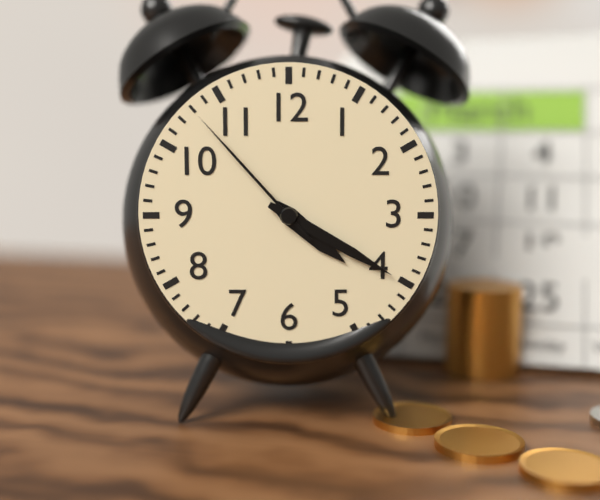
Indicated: 4,20,53
